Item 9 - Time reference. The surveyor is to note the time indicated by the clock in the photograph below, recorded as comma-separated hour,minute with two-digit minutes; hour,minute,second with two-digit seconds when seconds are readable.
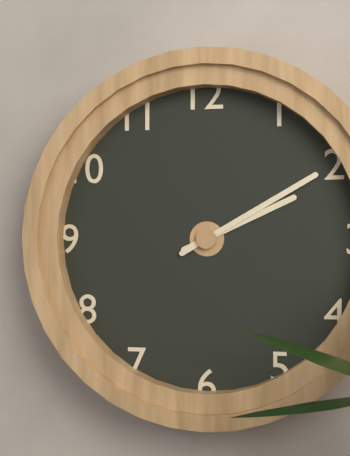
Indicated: 2,10
